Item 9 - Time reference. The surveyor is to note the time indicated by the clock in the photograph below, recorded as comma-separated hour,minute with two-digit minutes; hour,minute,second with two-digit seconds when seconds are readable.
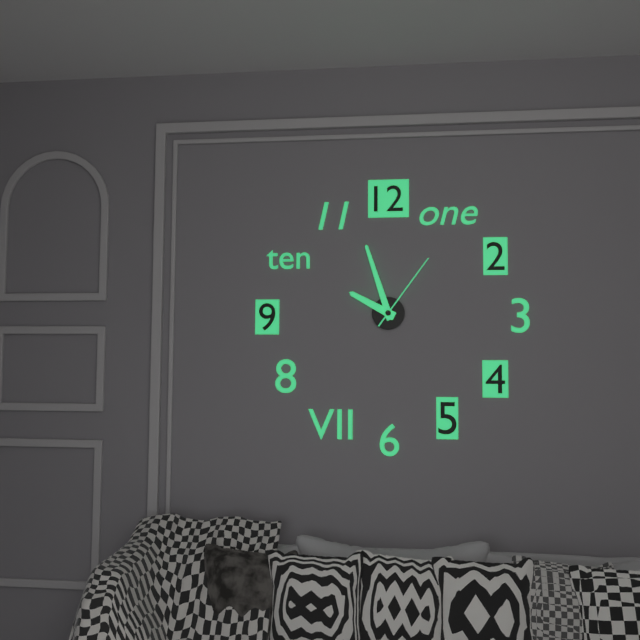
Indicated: 9,57,06
